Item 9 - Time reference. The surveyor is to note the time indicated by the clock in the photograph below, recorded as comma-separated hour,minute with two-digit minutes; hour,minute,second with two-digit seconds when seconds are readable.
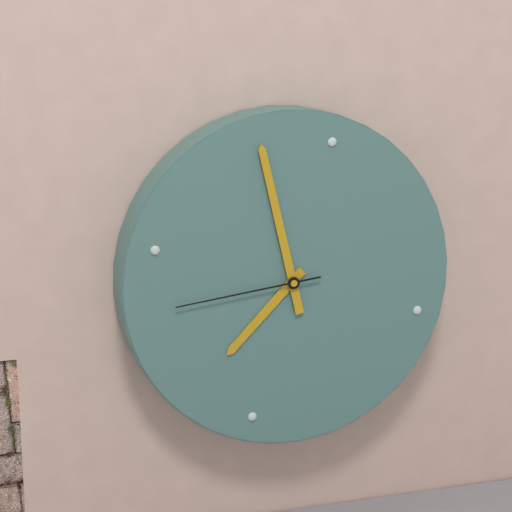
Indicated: 6,55,41
